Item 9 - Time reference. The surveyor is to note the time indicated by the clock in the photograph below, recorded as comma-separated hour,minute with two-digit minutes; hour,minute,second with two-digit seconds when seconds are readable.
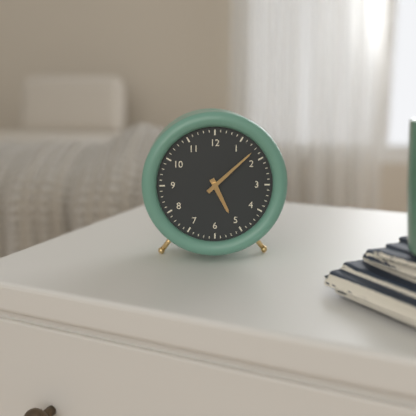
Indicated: 5,08
